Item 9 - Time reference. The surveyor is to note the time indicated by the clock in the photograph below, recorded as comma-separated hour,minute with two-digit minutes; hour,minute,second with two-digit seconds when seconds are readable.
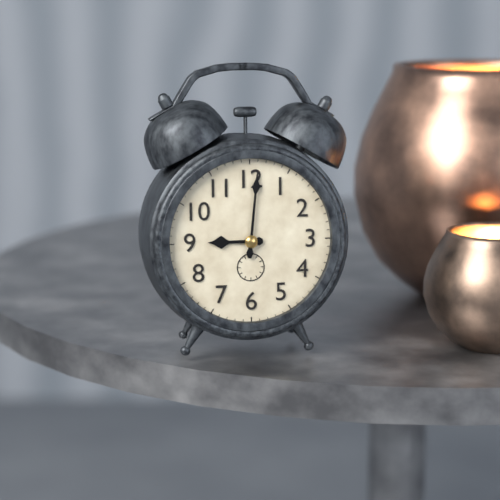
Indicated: 9,01
